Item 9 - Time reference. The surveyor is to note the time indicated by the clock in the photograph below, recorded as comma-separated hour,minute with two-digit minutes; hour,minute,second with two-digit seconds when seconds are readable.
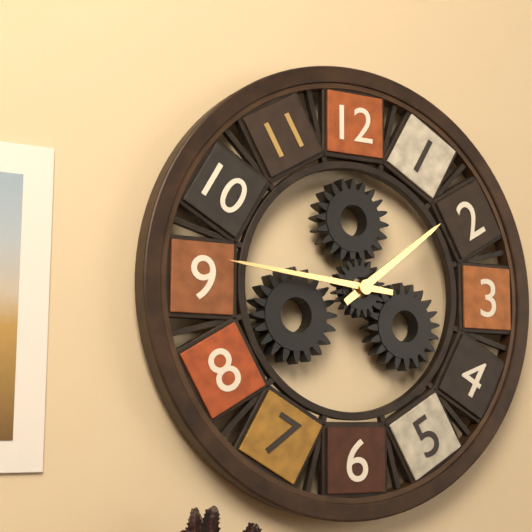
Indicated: 1,46
